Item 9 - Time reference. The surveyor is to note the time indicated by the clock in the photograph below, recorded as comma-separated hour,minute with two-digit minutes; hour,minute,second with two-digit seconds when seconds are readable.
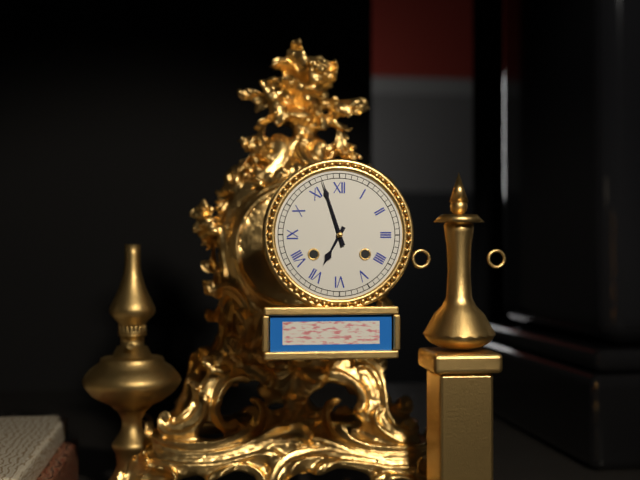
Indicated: 6,57
